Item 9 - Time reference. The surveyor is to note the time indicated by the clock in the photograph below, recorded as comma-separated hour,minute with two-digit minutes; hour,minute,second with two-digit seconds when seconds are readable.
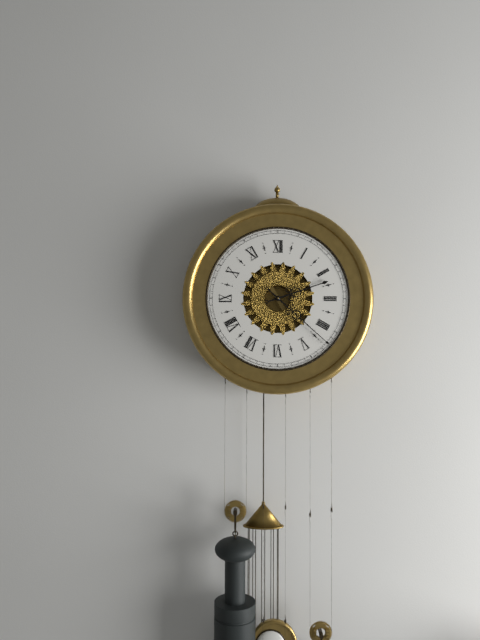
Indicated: 2,22
